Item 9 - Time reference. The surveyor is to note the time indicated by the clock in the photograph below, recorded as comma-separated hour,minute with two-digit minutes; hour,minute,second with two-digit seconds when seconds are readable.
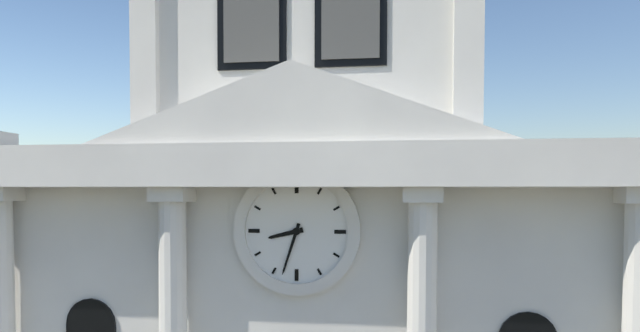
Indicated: 8,33
